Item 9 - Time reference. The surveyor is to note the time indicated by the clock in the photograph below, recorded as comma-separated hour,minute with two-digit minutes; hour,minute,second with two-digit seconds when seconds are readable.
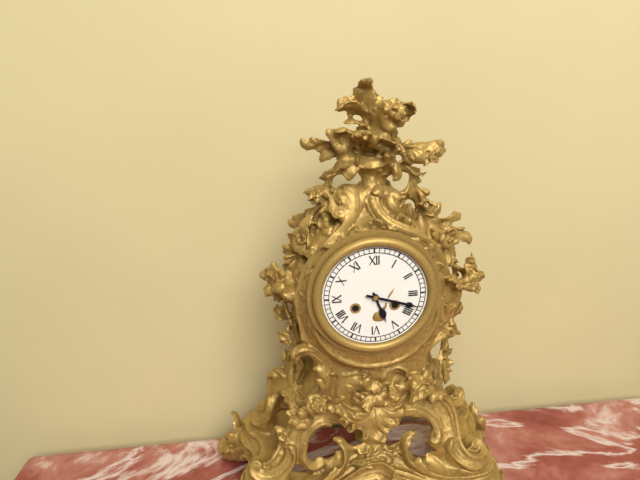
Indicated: 5,18
